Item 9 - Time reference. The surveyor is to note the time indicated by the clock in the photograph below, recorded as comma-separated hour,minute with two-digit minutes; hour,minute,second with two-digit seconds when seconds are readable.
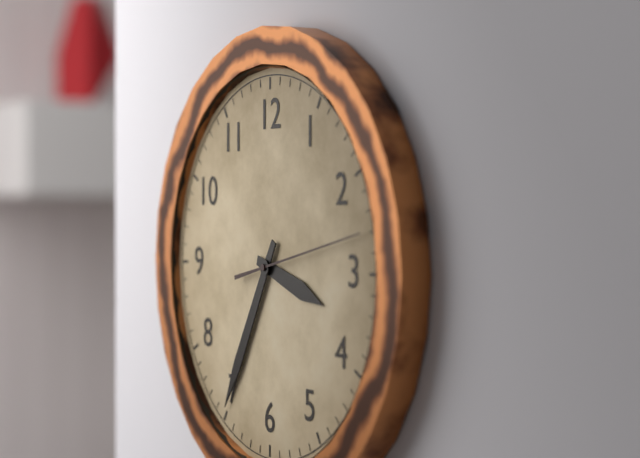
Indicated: 3,35,13
